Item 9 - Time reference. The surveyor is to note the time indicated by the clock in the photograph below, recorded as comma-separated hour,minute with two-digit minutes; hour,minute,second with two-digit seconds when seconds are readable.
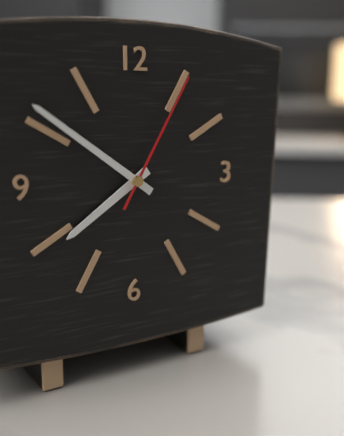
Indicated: 7,51,05
